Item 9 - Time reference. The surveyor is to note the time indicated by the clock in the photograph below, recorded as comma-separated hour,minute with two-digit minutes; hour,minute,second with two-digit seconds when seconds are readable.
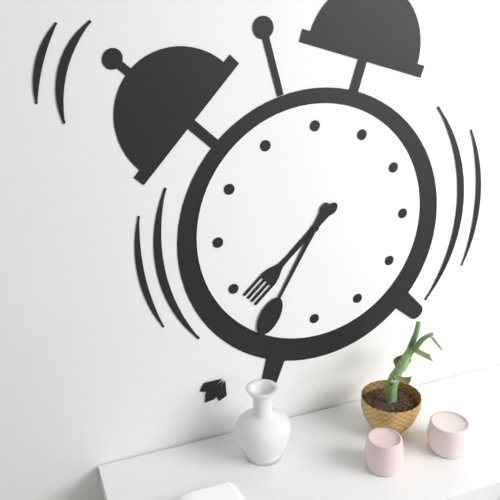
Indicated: 7,35
